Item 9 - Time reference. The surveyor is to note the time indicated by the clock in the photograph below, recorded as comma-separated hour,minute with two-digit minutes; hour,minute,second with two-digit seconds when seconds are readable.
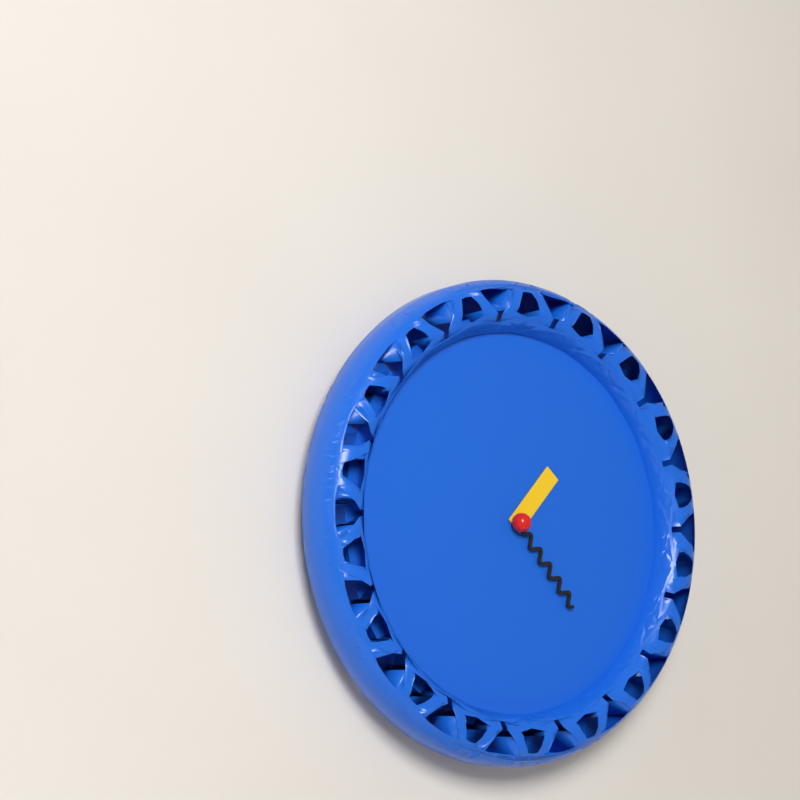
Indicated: 1,23
